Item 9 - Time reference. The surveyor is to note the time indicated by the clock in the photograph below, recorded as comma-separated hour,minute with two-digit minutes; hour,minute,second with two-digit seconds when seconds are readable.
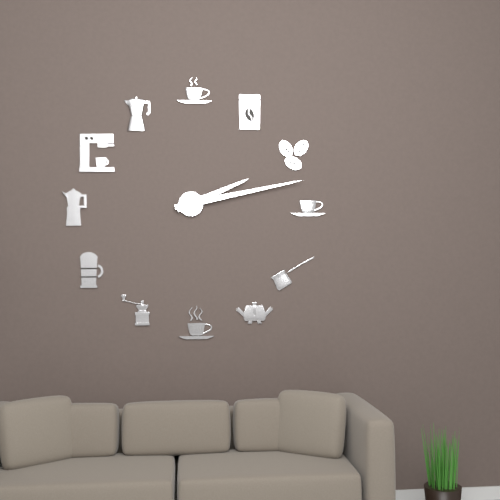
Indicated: 2,13
